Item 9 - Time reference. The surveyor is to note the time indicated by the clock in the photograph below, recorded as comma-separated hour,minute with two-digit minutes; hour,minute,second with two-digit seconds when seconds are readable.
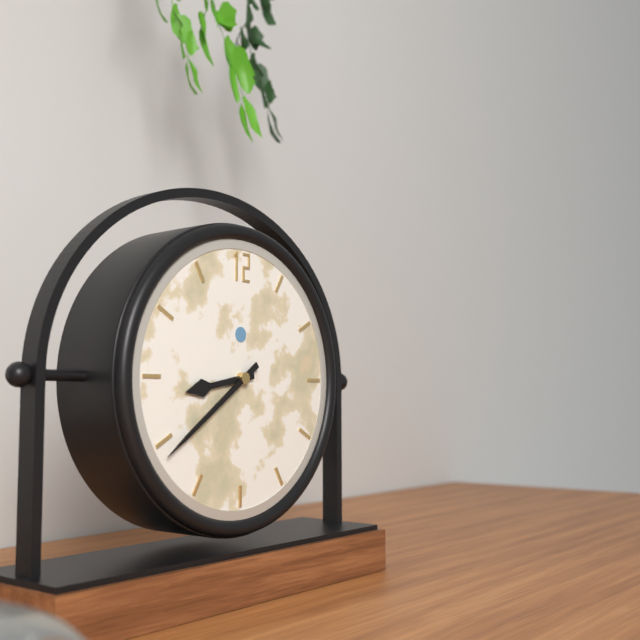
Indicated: 8,39
